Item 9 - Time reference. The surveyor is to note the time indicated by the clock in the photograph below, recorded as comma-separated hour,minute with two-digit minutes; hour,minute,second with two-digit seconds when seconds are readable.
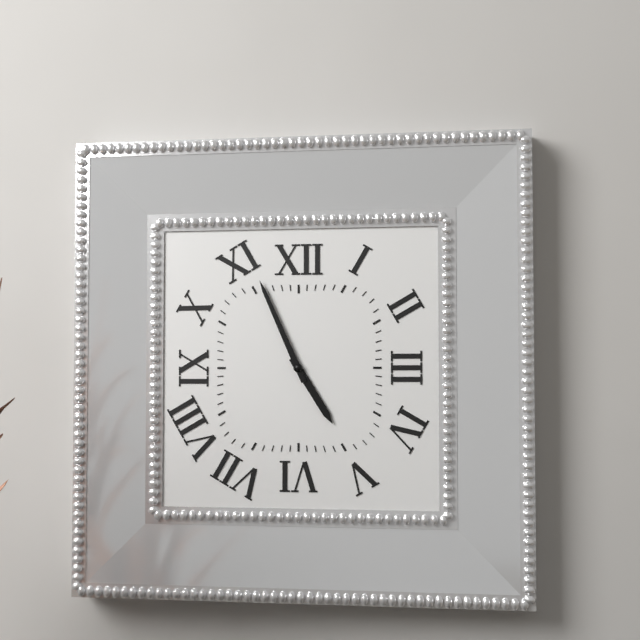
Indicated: 4,56
